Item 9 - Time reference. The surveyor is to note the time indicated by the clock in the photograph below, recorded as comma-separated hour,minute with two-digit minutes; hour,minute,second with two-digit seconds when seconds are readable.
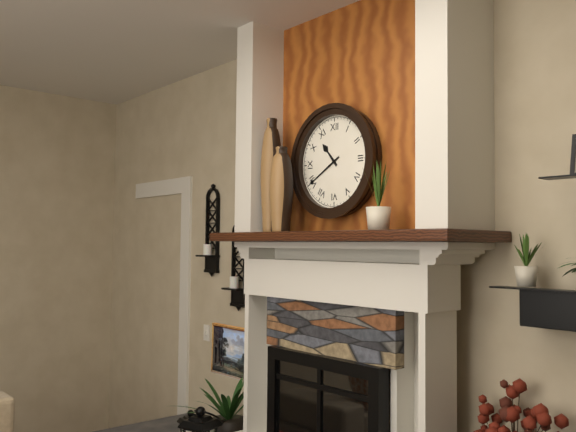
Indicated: 10,40
